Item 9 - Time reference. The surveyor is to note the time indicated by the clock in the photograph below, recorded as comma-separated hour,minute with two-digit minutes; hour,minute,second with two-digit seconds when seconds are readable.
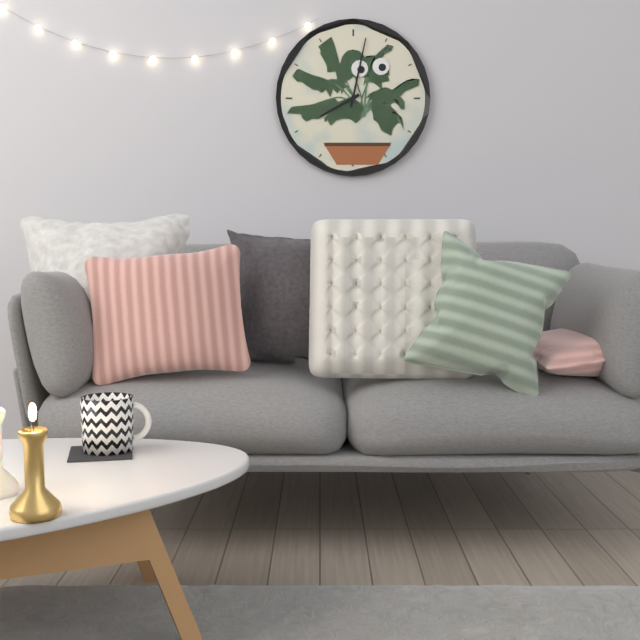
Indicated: 8,02
